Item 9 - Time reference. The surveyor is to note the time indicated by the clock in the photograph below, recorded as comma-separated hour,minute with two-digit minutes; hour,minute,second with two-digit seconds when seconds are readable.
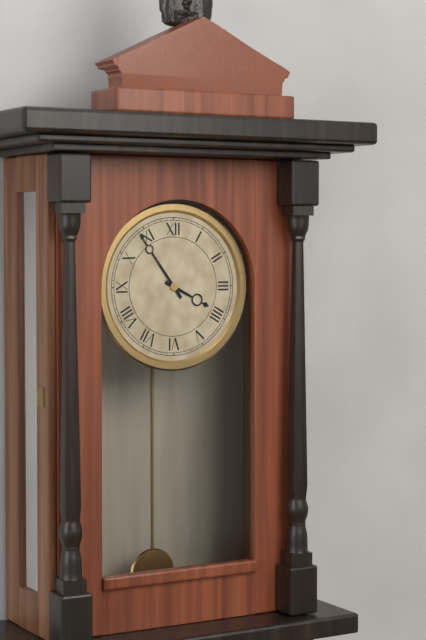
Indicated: 3,54
